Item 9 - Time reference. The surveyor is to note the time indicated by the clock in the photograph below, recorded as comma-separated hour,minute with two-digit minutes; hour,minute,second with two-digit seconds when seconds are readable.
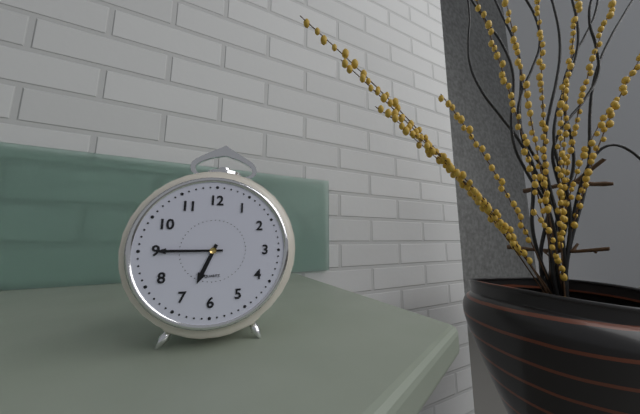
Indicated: 6,45
